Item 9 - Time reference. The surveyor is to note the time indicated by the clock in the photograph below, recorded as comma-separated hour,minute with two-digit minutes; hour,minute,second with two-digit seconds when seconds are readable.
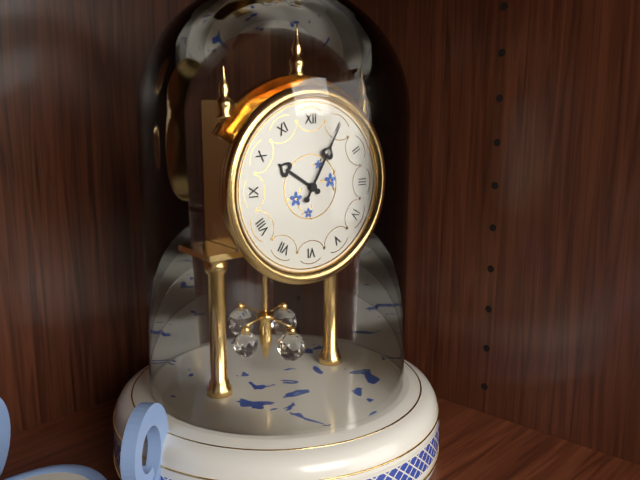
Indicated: 10,05
